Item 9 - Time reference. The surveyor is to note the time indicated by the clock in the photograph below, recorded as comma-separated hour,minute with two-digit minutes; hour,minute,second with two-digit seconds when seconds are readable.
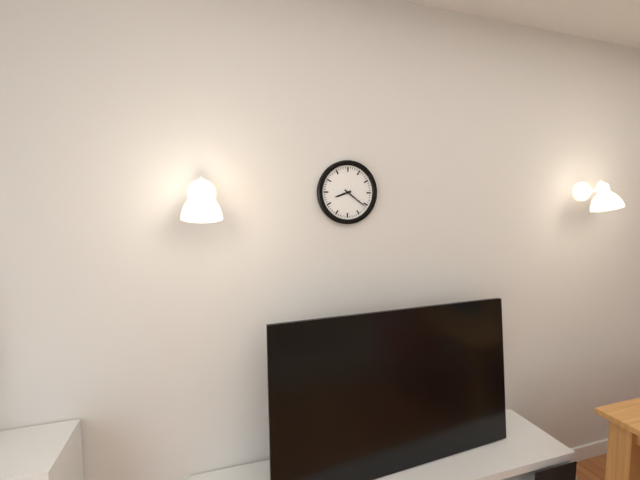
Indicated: 8,21
